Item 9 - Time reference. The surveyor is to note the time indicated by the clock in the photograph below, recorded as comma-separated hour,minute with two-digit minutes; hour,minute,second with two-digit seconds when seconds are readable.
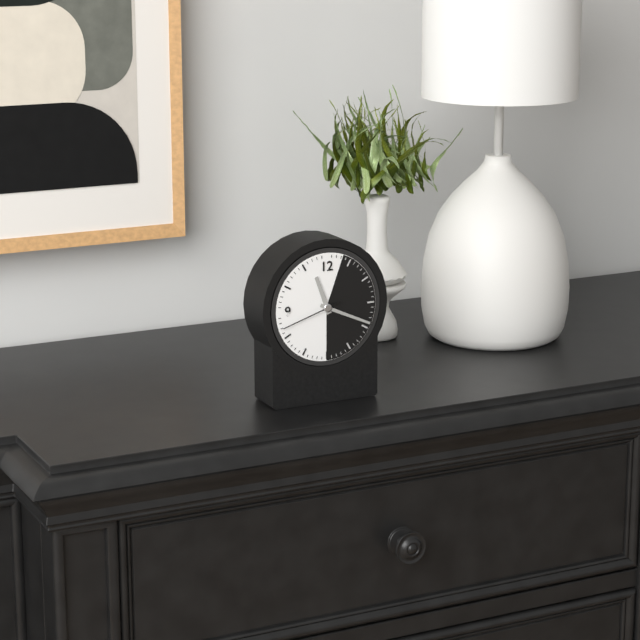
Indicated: 11,19,42
